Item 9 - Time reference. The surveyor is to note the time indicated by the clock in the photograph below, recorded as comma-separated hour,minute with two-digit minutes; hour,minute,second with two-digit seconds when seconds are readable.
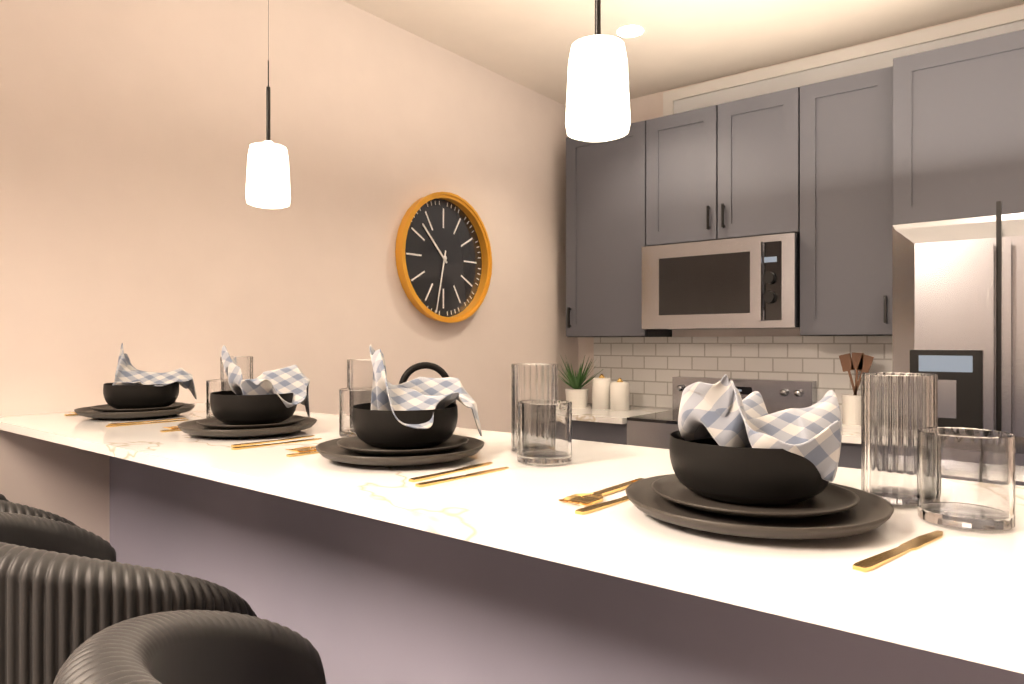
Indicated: 10,32
